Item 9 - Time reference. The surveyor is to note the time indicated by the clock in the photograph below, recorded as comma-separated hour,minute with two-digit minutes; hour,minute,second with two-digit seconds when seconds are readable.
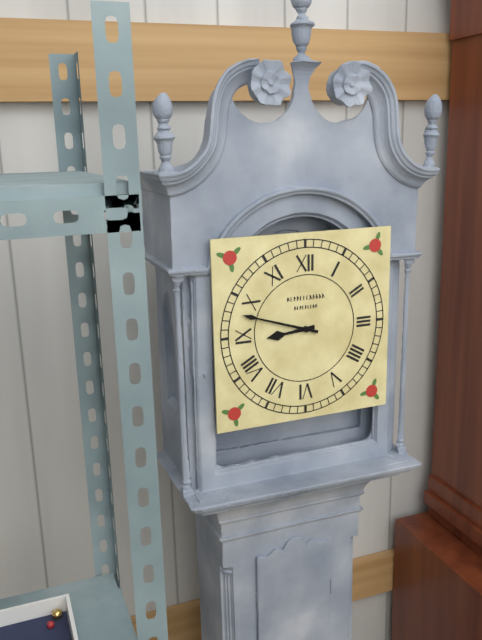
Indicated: 8,48
